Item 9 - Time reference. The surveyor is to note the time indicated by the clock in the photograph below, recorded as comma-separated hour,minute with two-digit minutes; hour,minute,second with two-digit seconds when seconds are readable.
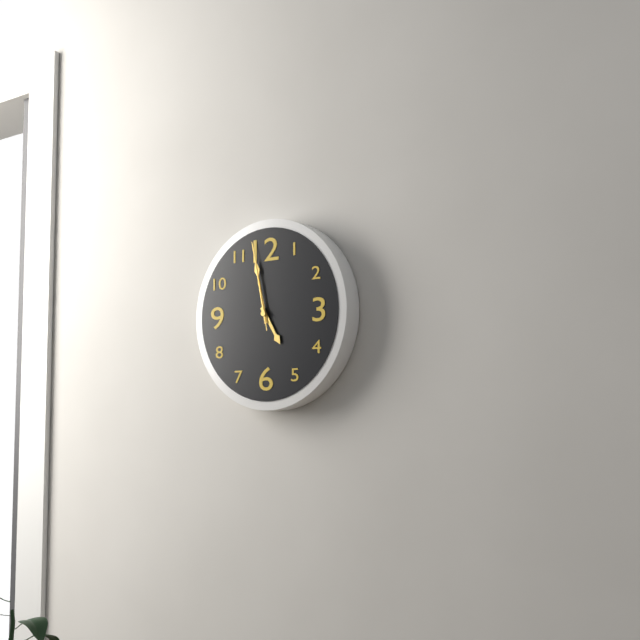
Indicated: 4,58,58
